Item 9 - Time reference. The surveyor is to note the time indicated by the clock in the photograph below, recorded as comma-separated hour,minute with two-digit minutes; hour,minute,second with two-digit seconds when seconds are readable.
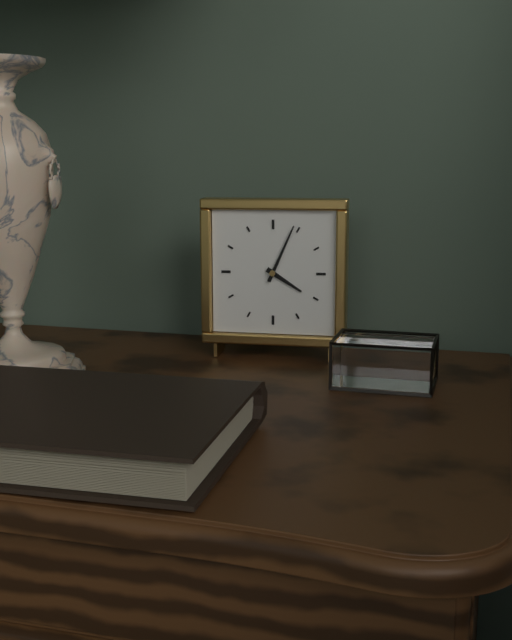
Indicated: 4,04
